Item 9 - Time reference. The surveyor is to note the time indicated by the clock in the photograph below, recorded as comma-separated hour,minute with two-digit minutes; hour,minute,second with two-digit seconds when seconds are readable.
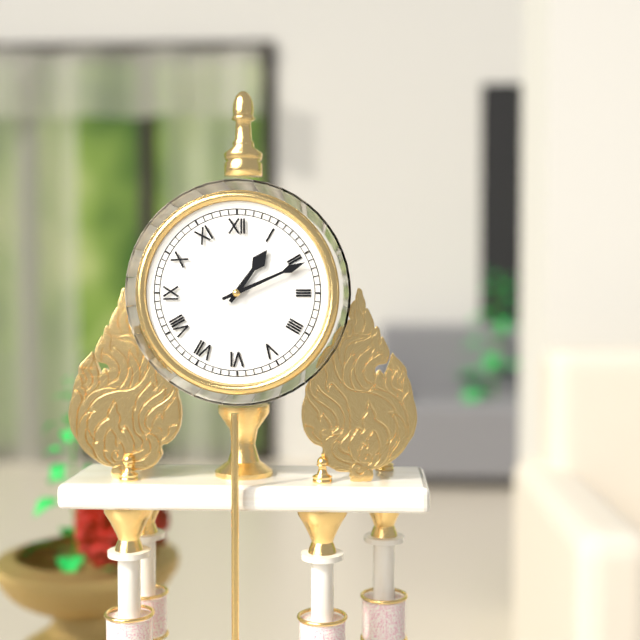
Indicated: 1,11
